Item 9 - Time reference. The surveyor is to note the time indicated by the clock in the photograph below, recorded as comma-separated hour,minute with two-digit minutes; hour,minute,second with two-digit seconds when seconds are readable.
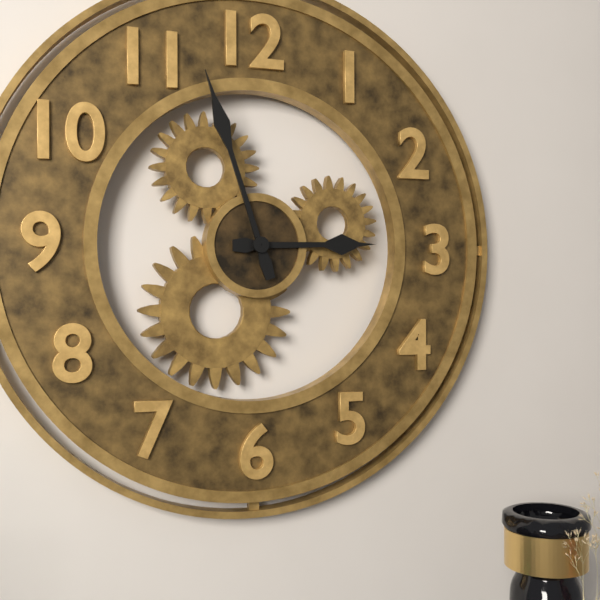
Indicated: 2,57
